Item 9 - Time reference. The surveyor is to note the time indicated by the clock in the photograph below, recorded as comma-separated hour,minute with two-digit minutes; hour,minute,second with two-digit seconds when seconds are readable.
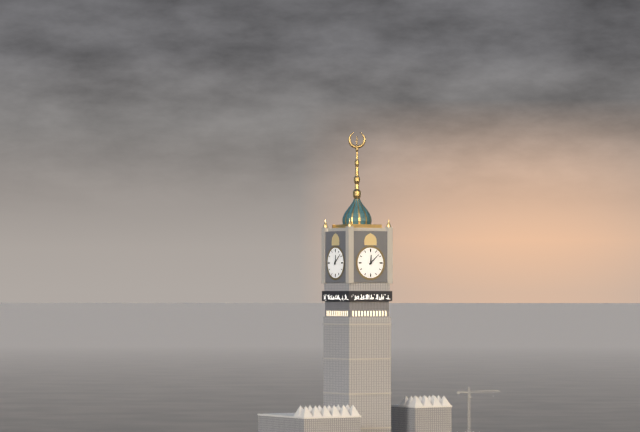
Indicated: 12,08
